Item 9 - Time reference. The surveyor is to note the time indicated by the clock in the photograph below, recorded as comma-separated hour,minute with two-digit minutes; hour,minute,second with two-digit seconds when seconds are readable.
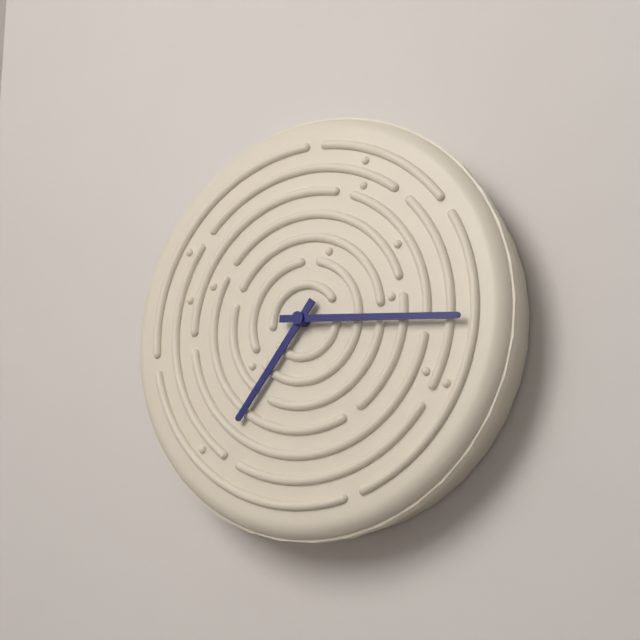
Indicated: 7,16
